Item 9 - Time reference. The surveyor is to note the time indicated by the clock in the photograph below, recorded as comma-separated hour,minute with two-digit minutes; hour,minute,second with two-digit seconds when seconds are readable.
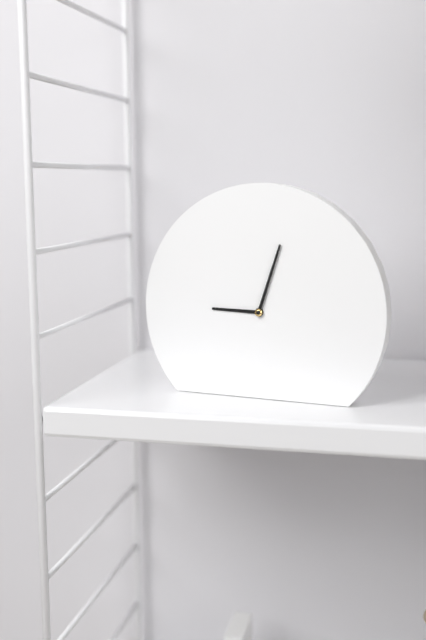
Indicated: 9,03
